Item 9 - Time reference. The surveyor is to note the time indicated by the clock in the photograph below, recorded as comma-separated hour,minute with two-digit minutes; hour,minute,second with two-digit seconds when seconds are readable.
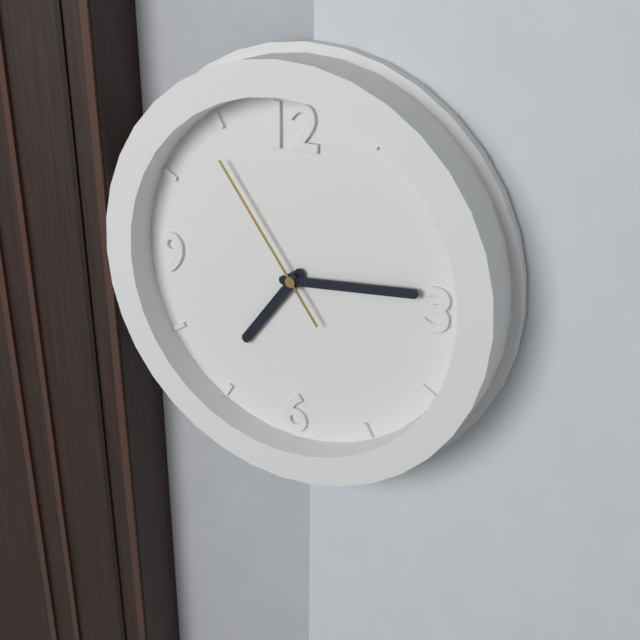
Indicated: 7,14,54
